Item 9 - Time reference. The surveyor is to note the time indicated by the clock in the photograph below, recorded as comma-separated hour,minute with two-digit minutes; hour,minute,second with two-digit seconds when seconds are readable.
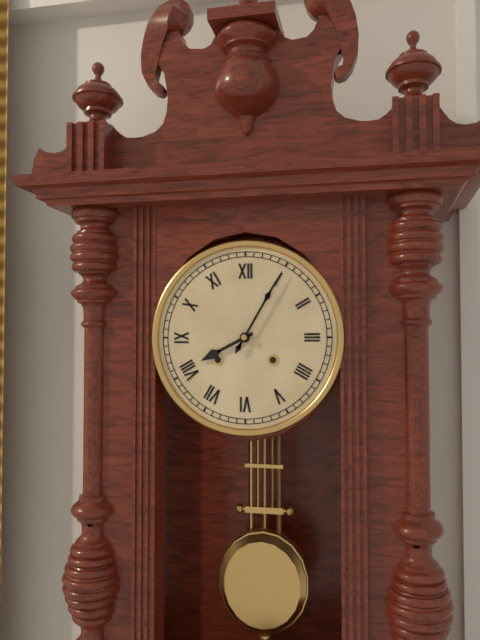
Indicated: 8,05
